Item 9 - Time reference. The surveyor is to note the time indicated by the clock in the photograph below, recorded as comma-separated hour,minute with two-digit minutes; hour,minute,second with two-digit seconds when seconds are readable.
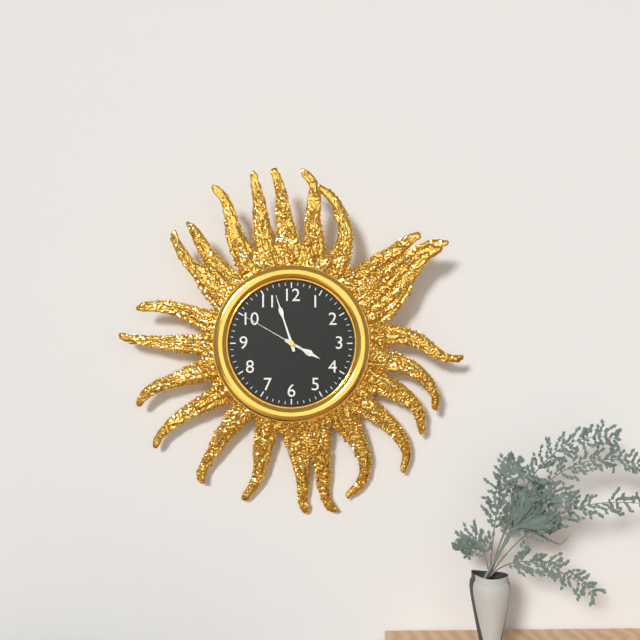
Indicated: 3,57,50
